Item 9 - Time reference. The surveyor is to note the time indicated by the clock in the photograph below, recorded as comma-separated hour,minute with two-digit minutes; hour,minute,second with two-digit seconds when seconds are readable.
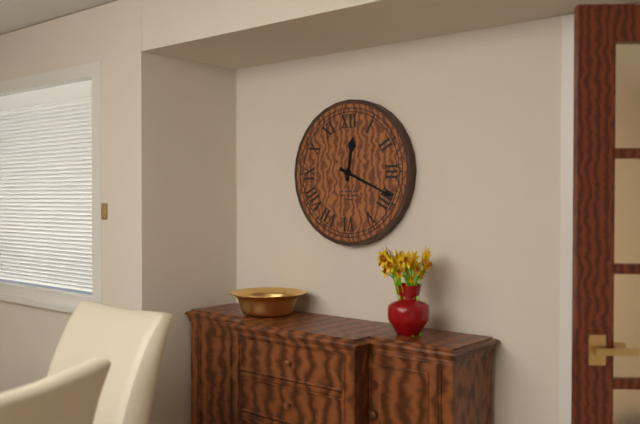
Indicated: 12,19
